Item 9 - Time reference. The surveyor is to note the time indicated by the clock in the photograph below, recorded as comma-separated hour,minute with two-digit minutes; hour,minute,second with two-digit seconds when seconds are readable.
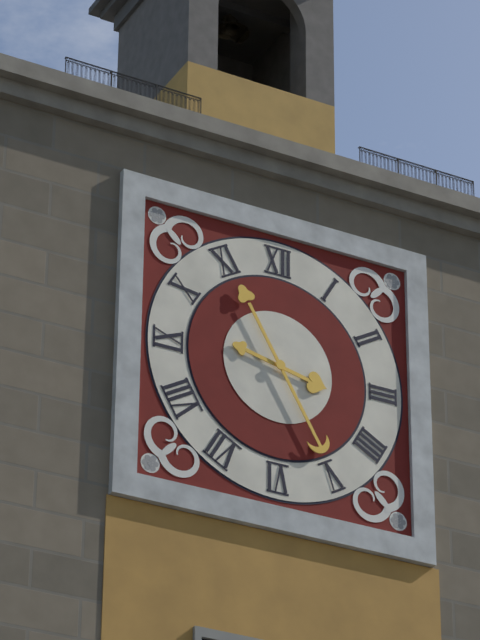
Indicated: 3,25
